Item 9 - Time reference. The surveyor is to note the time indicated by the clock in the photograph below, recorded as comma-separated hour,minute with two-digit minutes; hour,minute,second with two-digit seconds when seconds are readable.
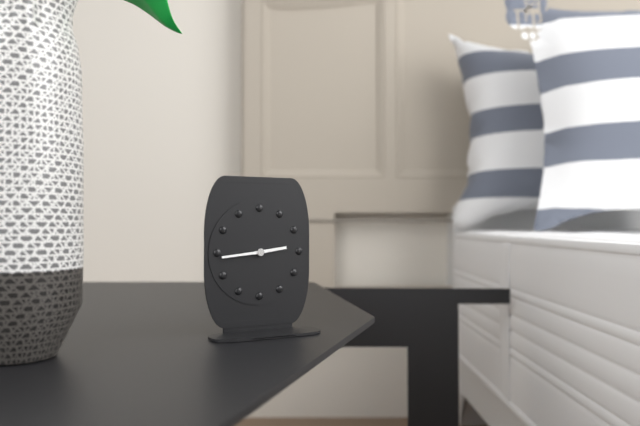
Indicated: 2,44
